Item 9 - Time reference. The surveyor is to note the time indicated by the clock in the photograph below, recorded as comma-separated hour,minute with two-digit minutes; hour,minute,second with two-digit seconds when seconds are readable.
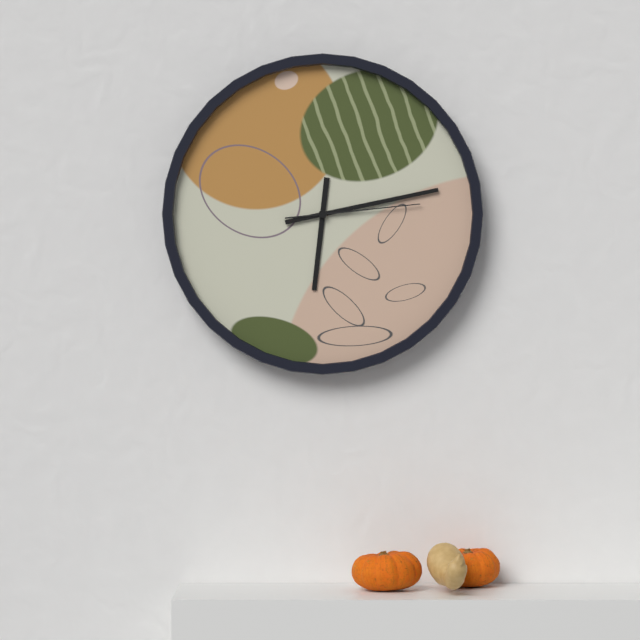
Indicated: 6,13,14
